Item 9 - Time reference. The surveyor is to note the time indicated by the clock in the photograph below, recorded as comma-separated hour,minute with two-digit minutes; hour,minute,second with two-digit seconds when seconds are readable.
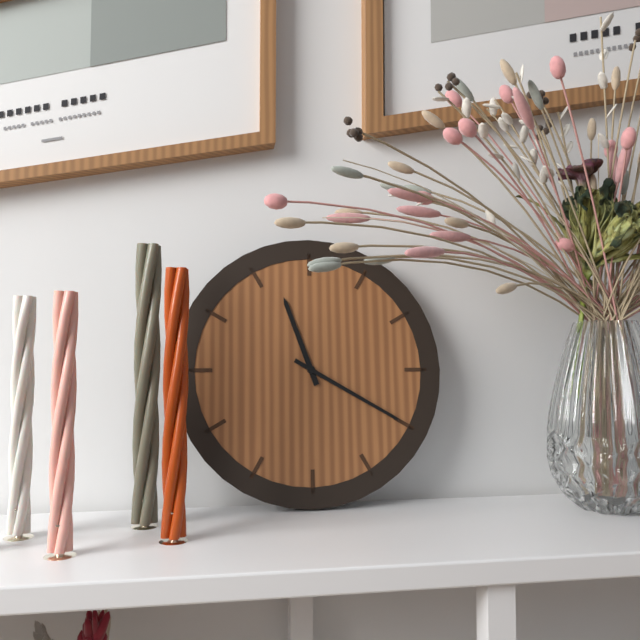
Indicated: 11,20
